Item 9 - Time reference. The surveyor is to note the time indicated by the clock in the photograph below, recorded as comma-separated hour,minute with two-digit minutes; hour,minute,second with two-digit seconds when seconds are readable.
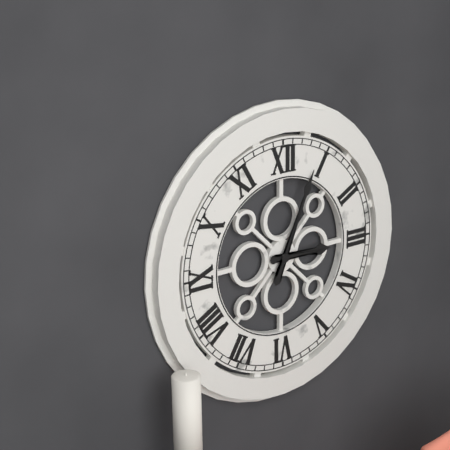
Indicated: 3,04
